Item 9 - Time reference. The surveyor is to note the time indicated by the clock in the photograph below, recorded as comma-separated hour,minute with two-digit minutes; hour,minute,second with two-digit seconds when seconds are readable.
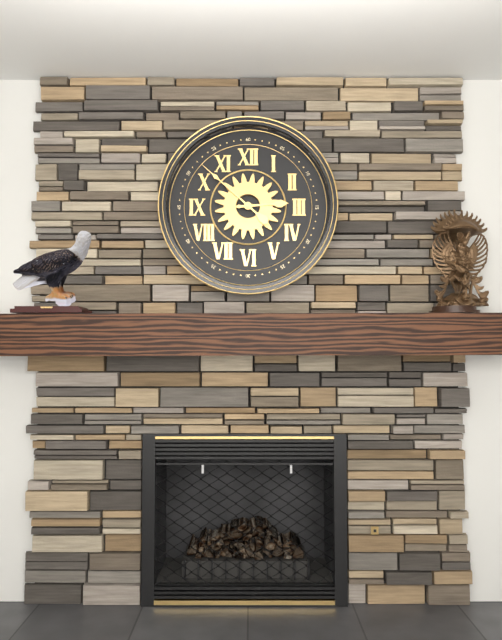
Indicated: 2,52
